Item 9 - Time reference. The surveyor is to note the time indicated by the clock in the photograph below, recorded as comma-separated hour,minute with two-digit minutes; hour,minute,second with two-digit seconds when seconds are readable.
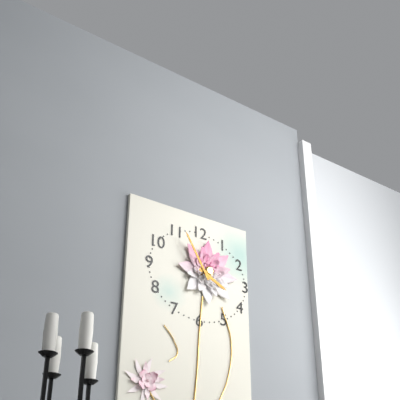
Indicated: 3,55
